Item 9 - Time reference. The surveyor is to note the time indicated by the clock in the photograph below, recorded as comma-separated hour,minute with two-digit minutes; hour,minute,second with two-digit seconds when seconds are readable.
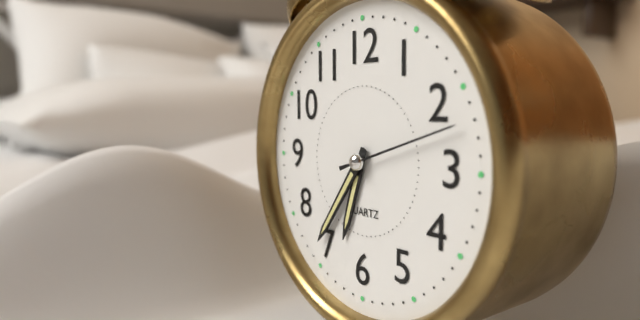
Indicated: 6,36,12
